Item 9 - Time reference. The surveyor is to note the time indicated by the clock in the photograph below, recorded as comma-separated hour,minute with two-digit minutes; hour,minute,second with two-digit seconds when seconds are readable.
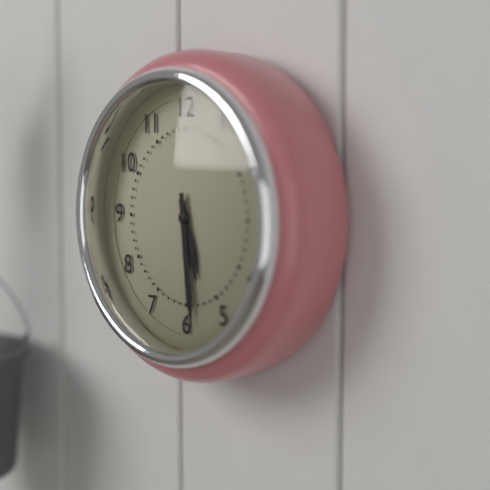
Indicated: 5,29
